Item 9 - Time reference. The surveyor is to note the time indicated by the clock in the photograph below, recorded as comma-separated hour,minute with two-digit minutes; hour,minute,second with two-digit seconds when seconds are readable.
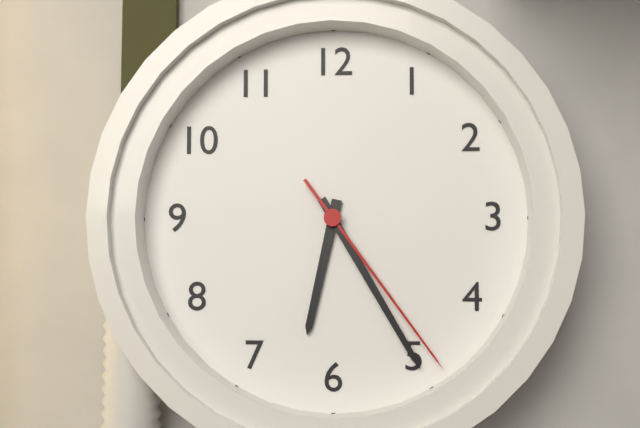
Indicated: 6,25,24
